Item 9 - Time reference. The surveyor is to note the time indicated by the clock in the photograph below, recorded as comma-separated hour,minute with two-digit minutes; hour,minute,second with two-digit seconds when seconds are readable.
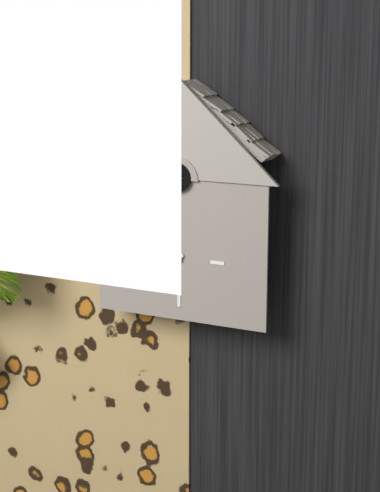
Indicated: 6,38
